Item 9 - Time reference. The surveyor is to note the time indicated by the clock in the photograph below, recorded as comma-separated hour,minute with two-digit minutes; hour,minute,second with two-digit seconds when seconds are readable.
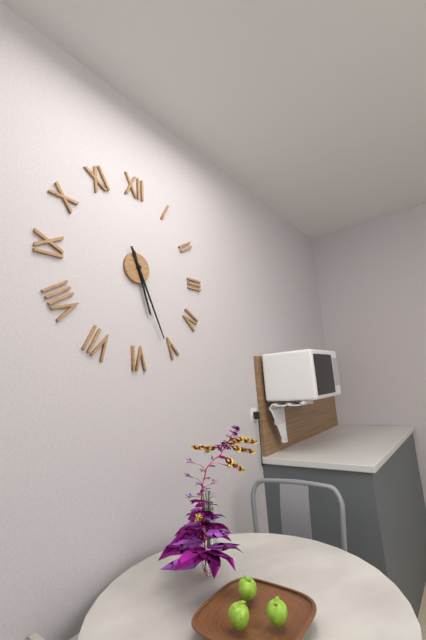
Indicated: 5,26
